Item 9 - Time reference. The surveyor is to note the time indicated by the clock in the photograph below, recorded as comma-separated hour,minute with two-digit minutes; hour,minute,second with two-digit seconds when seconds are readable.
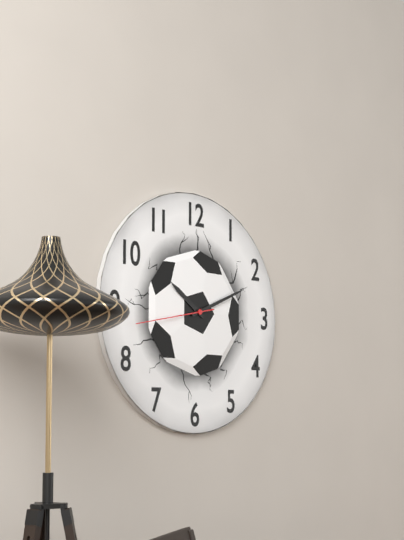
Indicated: 10,11,43
